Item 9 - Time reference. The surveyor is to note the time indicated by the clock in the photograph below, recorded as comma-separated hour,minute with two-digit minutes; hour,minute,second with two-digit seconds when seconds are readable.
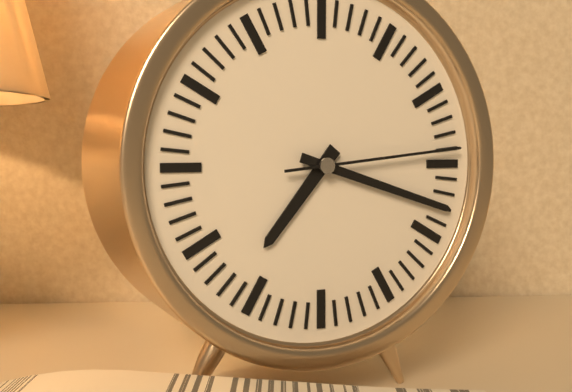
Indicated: 7,18,14
